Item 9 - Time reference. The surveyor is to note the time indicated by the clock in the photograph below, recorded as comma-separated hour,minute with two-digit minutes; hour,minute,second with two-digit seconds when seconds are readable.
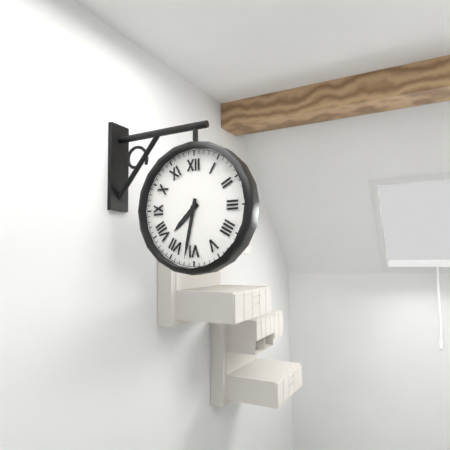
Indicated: 7,32
